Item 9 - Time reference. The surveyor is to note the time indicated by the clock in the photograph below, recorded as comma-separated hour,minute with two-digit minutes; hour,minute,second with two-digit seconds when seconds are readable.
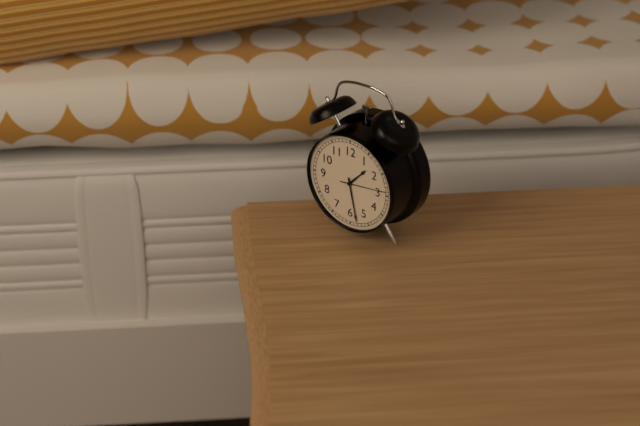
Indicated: 1,28
